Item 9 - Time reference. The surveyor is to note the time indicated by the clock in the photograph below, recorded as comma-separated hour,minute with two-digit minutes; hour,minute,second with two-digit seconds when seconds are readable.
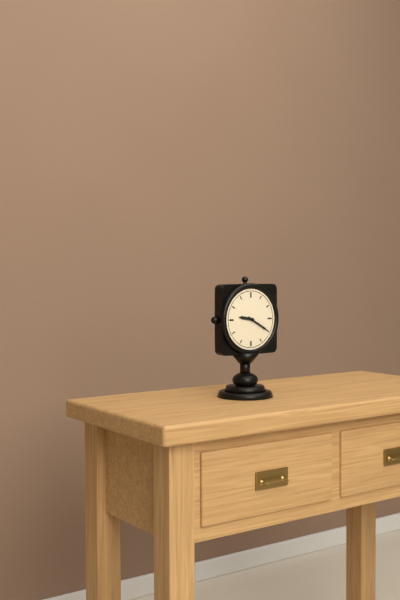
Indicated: 9,20
